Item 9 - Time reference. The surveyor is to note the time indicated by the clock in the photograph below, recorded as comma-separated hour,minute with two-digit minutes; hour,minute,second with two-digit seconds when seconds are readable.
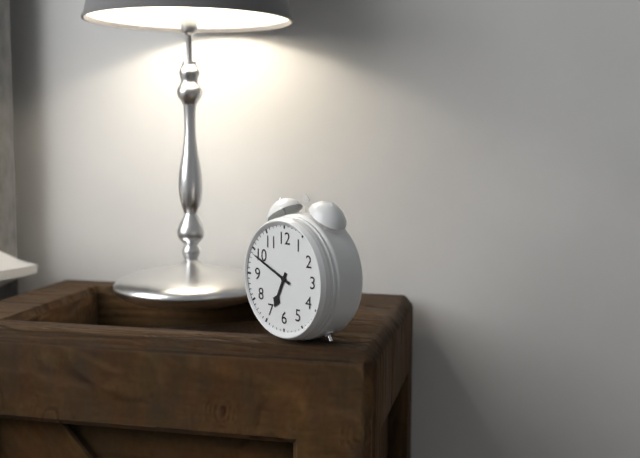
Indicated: 6,49
